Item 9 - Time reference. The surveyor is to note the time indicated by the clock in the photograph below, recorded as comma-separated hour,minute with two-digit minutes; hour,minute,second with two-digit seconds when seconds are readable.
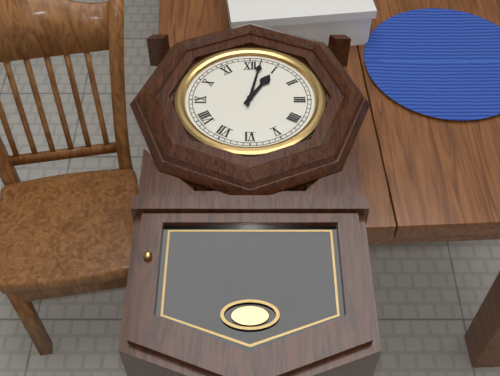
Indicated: 1,02
